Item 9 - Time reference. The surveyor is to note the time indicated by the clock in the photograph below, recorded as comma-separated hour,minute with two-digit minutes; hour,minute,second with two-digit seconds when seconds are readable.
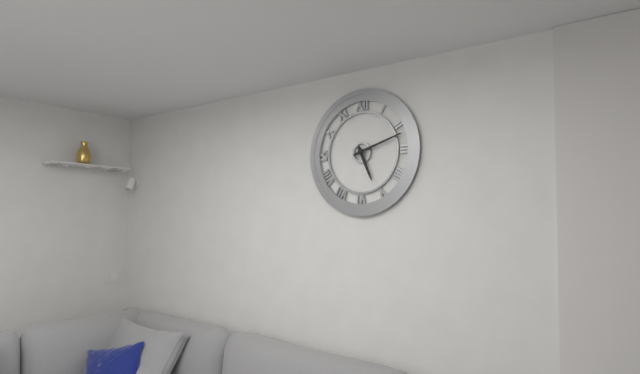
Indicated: 5,12
